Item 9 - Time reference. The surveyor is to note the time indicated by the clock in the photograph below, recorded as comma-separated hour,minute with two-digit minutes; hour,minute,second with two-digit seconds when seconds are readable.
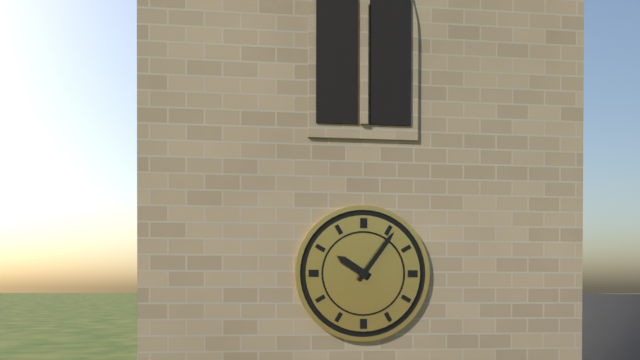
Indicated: 10,06
